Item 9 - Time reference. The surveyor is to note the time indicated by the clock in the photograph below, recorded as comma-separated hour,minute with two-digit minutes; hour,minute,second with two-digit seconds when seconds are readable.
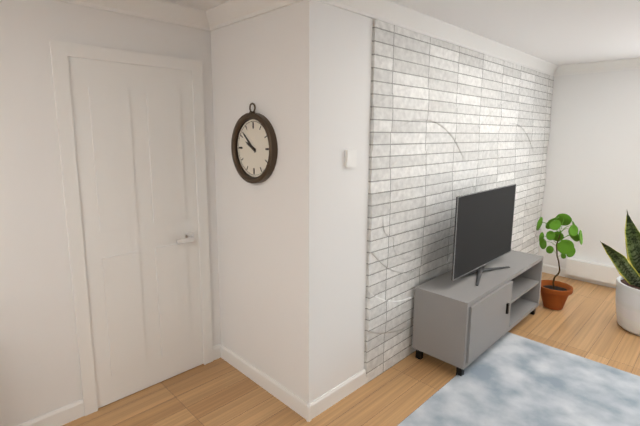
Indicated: 9,52
